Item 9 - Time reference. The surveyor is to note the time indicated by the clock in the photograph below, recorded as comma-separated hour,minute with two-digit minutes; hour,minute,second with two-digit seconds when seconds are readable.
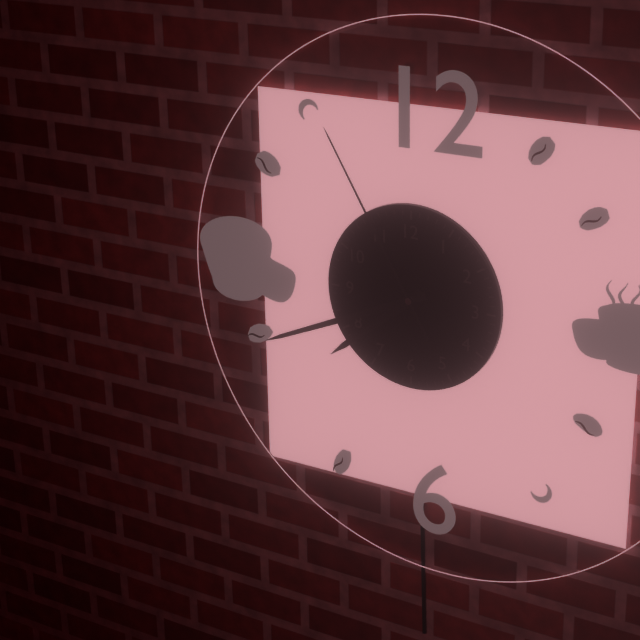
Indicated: 7,41,55
